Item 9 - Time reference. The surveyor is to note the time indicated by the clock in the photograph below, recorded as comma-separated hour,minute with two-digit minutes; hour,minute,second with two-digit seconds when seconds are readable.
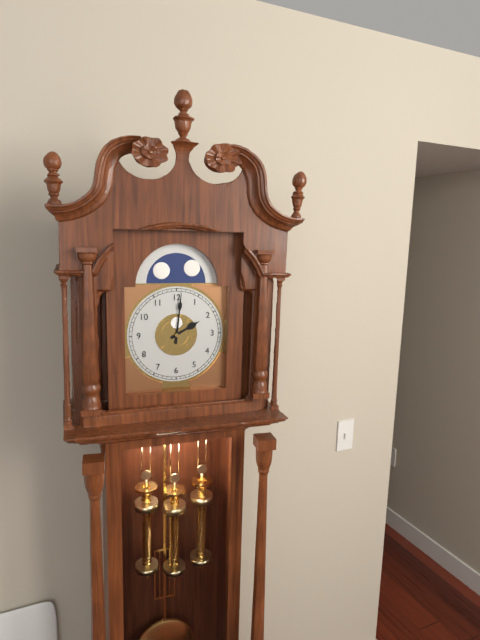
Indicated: 2,01
